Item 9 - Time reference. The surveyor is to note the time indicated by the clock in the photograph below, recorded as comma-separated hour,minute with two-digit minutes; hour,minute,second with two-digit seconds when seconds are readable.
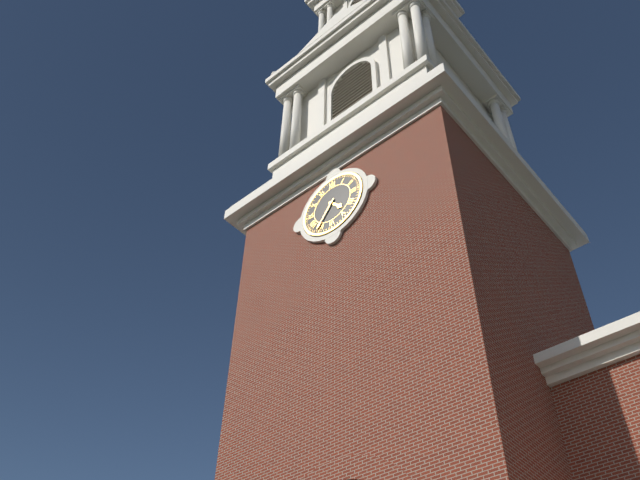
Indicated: 4,36
